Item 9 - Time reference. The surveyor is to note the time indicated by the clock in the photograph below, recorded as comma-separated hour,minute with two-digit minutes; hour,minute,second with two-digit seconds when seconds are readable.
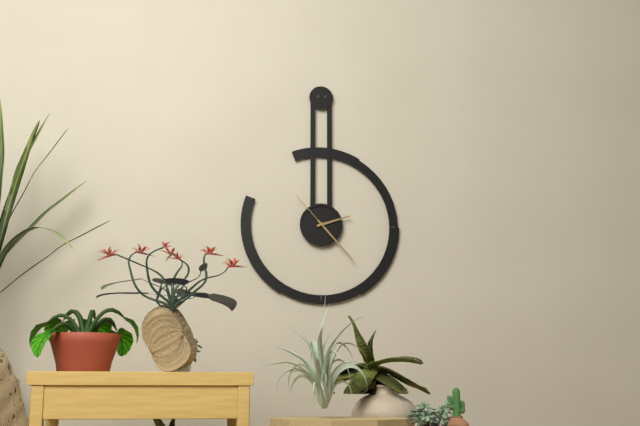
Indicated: 2,23
